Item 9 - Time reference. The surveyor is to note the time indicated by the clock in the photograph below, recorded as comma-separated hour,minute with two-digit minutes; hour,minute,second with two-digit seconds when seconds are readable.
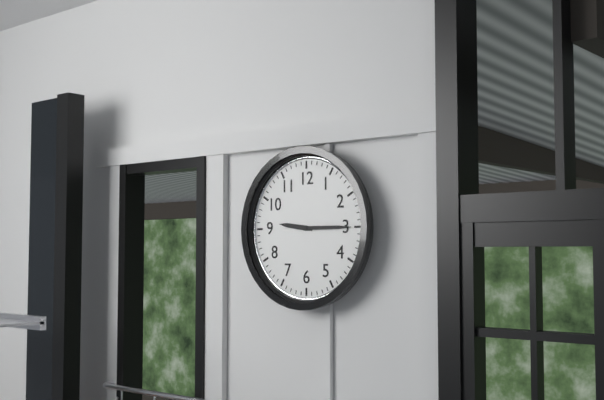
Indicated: 9,15
